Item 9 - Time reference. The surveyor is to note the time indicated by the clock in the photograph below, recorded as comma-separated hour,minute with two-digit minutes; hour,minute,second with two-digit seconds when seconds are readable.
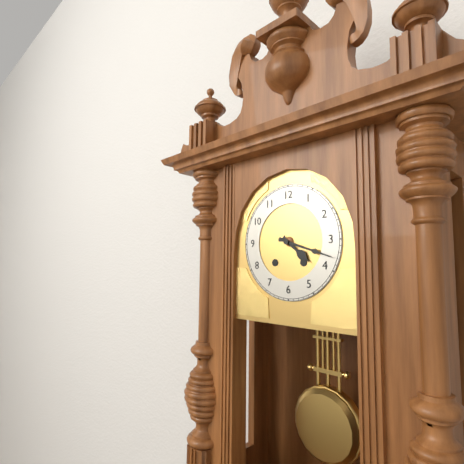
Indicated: 4,18
